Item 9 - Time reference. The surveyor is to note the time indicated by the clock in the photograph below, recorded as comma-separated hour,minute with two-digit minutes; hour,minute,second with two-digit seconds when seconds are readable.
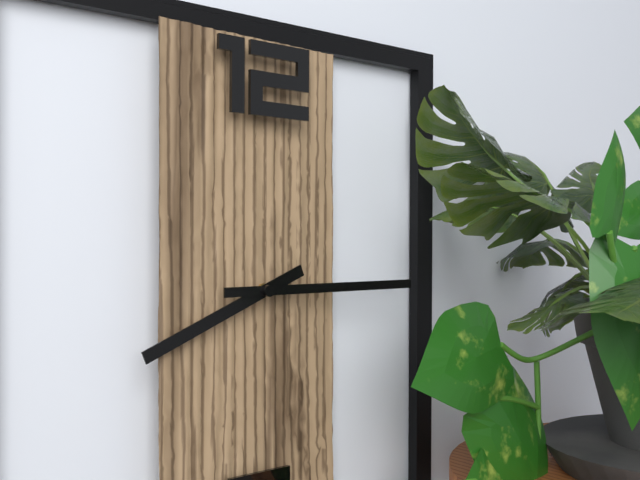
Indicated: 8,15
